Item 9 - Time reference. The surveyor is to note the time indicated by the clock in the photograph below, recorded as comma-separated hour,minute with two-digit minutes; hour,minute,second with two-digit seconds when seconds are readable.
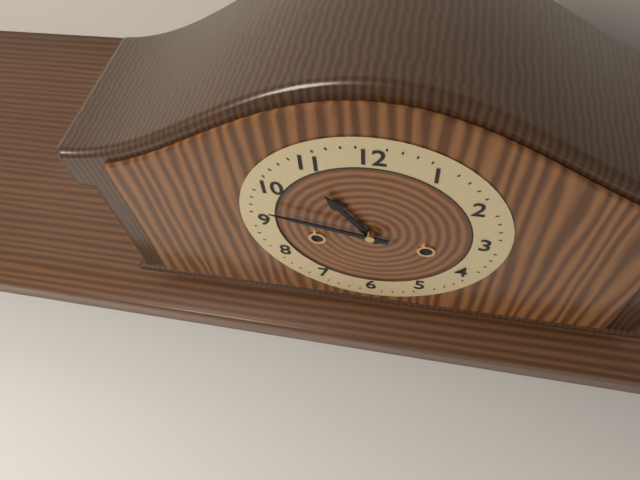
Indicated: 10,47
